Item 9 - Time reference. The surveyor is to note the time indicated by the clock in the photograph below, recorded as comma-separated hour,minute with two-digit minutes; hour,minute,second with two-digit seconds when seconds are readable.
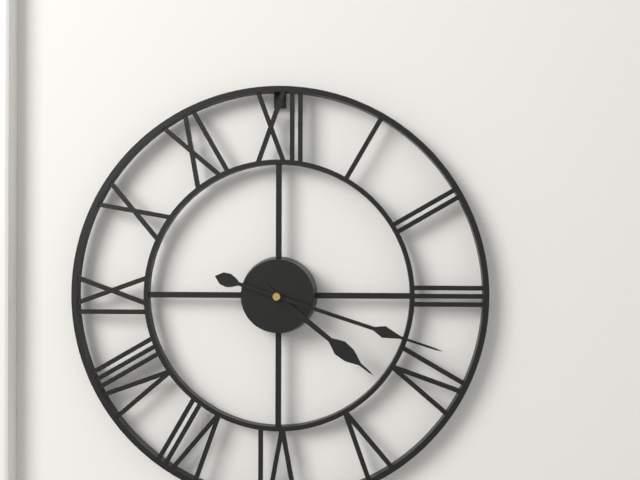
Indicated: 4,18
